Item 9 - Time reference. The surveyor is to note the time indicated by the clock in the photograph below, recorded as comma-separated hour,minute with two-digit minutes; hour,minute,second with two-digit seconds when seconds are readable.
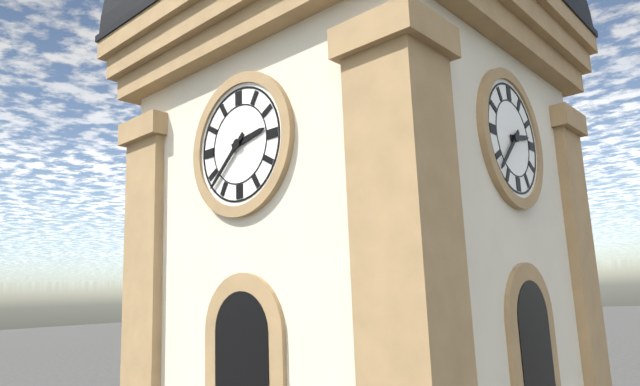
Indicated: 2,38
